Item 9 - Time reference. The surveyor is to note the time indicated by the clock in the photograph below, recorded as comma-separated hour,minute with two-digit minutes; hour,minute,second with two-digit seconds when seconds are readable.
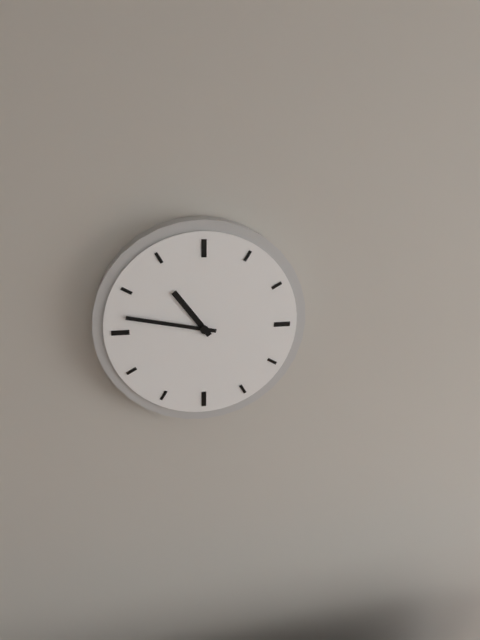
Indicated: 10,47
